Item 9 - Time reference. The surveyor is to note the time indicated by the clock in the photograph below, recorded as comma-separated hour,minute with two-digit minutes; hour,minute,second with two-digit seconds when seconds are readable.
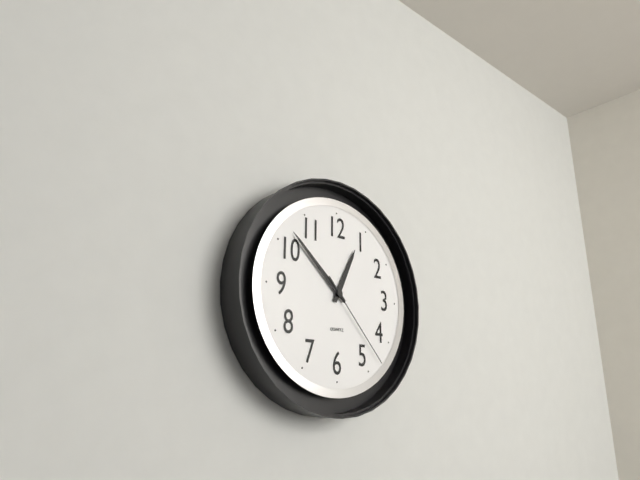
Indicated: 12,52,23
